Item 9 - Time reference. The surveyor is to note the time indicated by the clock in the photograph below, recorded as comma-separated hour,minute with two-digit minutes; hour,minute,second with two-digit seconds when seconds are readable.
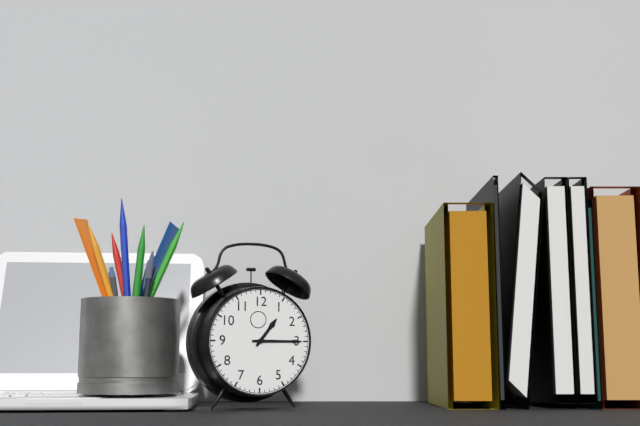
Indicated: 1,15
